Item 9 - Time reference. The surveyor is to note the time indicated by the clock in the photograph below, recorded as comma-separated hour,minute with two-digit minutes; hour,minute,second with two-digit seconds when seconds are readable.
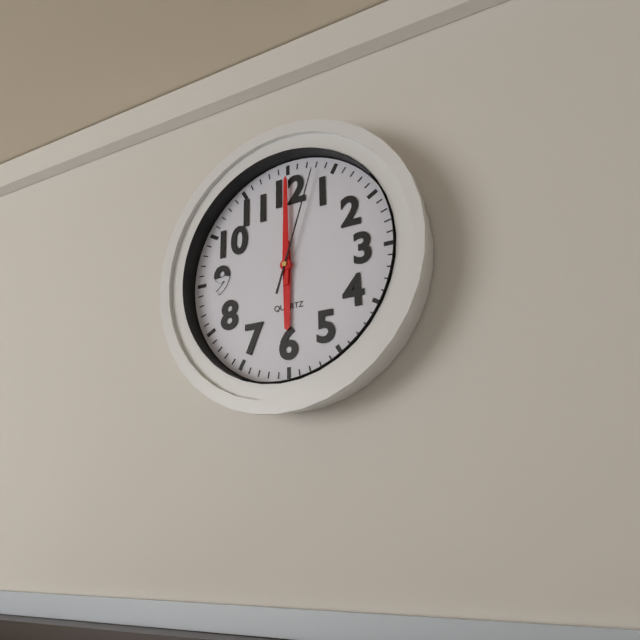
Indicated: 6,00,03
